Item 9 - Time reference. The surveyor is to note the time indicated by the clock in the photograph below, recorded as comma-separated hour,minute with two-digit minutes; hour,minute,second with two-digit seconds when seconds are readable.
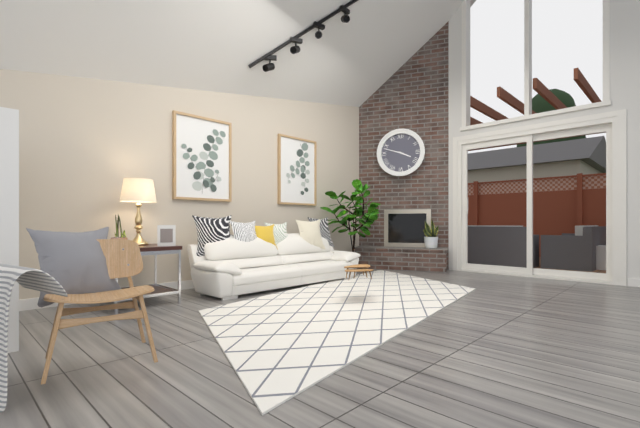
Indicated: 3,48
